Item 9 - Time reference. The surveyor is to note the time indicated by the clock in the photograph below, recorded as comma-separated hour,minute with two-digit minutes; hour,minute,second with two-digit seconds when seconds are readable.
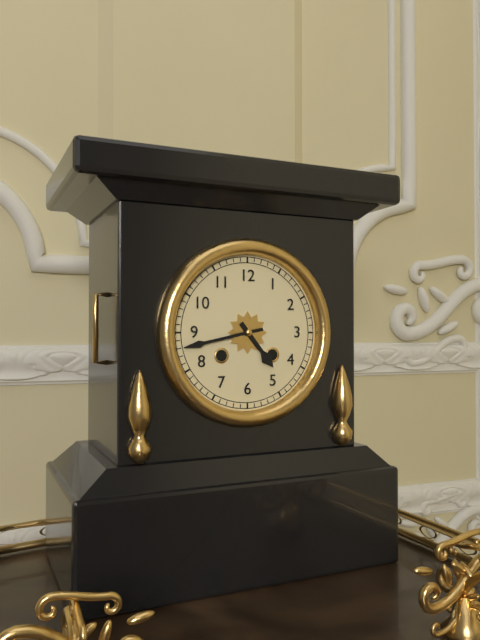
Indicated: 4,43
